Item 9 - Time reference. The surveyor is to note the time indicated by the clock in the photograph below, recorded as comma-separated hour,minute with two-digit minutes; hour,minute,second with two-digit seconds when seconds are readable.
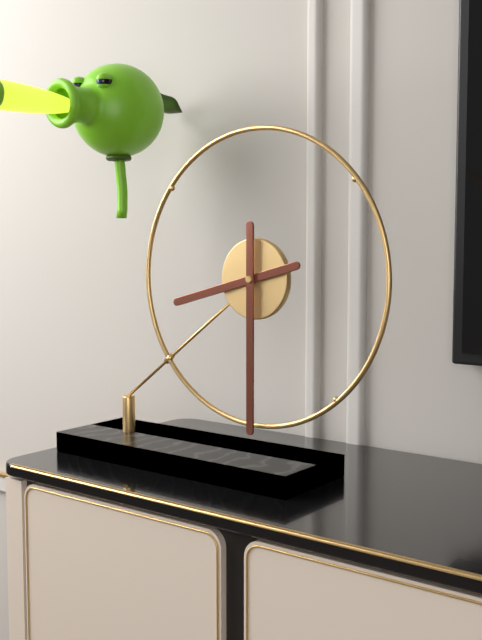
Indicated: 8,30
